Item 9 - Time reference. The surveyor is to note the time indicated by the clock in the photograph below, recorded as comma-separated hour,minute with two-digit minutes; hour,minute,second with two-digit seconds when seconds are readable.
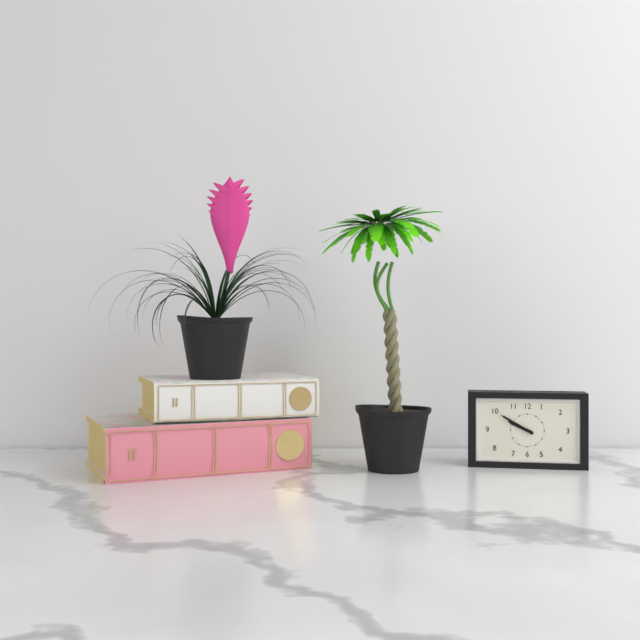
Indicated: 9,50
